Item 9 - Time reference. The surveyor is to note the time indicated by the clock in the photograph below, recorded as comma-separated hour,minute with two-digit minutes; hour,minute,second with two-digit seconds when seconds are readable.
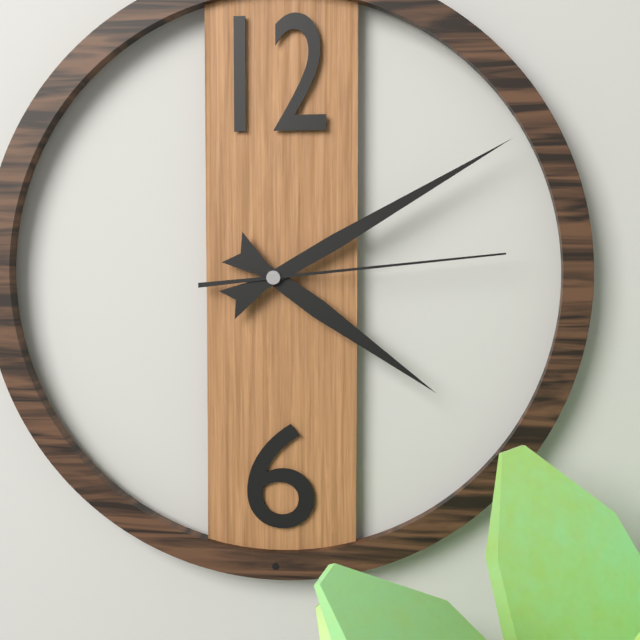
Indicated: 4,10,14
